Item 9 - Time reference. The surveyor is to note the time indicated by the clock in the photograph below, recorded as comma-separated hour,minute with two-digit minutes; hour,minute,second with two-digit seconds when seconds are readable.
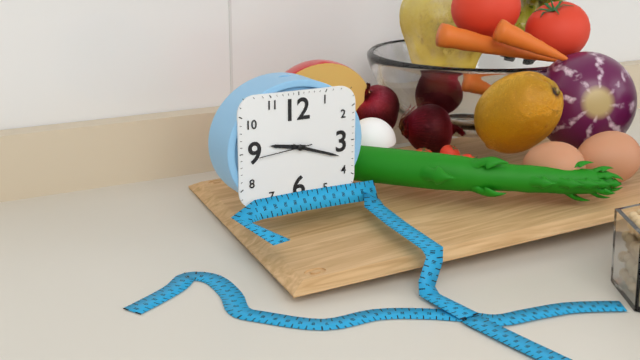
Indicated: 9,18,44
